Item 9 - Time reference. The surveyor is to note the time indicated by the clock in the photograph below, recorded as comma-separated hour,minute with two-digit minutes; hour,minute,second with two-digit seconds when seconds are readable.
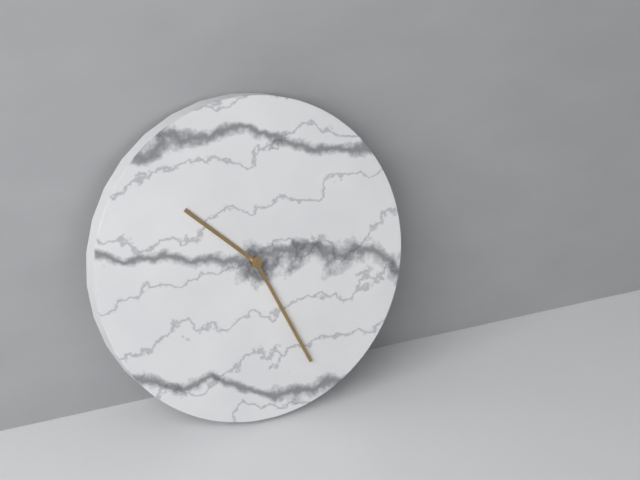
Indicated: 10,26
